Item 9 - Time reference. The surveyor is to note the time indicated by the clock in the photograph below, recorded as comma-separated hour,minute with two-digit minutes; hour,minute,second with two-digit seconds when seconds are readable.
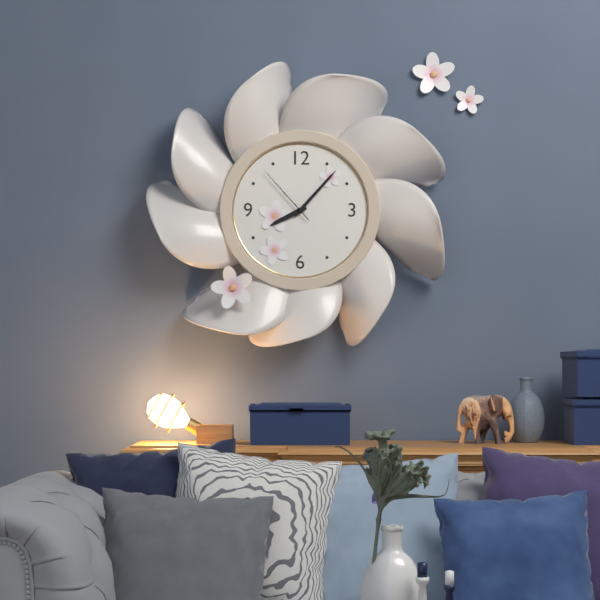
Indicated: 8,07,53
